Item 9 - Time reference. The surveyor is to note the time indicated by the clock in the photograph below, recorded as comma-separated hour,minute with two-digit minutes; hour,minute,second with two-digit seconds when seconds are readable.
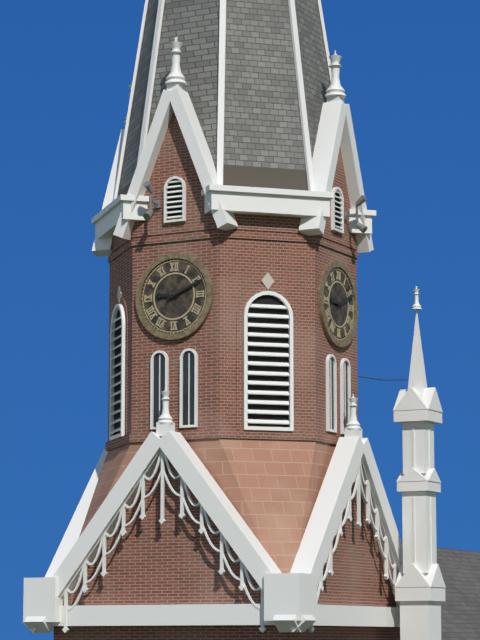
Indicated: 9,11
